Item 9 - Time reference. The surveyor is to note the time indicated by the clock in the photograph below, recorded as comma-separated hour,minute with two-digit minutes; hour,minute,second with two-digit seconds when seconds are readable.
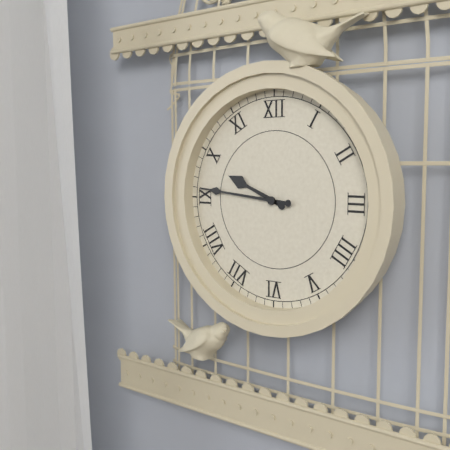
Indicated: 9,46
